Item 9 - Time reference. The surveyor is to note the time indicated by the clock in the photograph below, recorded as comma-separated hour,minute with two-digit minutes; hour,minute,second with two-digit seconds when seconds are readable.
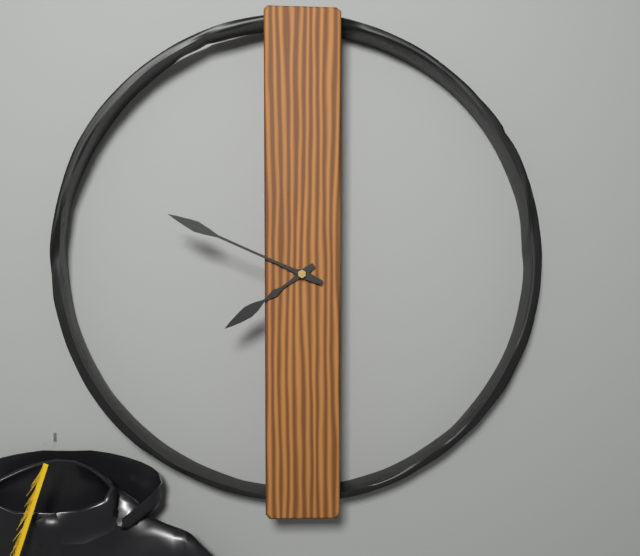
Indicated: 7,49
